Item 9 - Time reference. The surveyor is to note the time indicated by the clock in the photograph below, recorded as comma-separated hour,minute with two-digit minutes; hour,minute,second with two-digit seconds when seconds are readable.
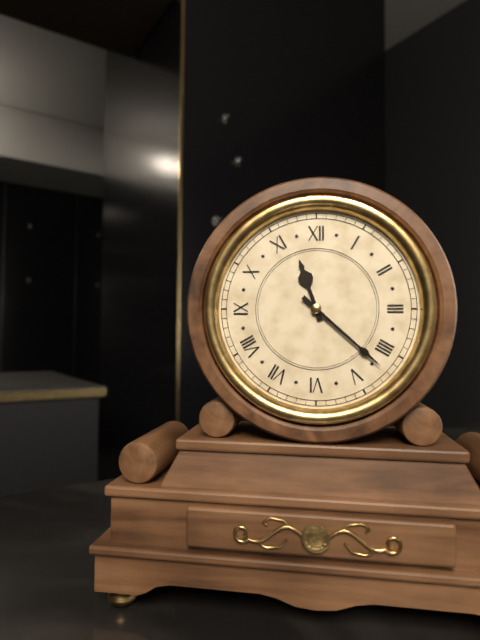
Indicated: 11,22
